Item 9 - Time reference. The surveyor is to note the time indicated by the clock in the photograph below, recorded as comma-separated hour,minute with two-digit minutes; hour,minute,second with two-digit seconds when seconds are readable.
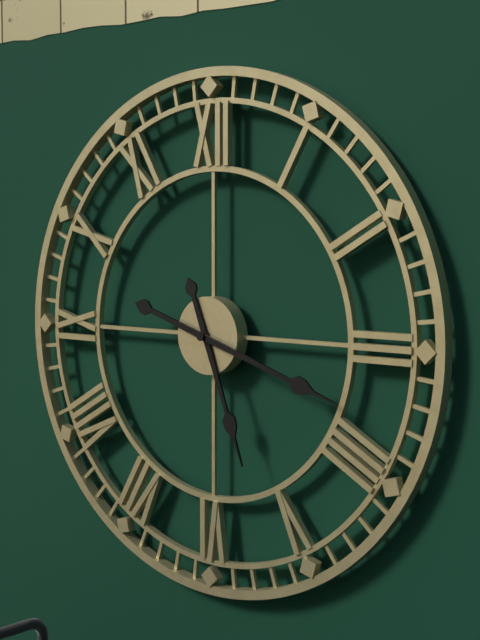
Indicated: 5,18
